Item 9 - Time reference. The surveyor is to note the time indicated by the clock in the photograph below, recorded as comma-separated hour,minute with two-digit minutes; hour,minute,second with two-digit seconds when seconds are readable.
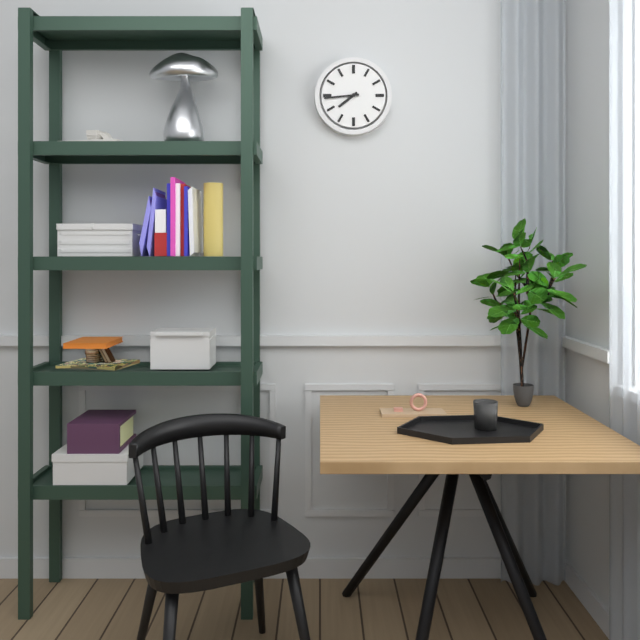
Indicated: 7,44
